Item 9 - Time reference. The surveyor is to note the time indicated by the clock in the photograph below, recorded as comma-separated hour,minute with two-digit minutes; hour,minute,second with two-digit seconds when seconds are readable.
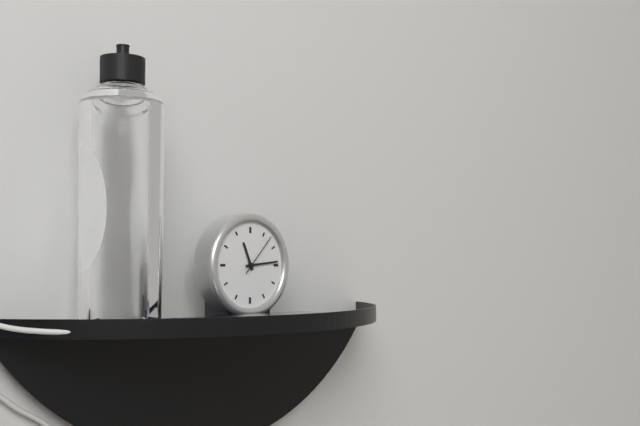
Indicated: 11,14
